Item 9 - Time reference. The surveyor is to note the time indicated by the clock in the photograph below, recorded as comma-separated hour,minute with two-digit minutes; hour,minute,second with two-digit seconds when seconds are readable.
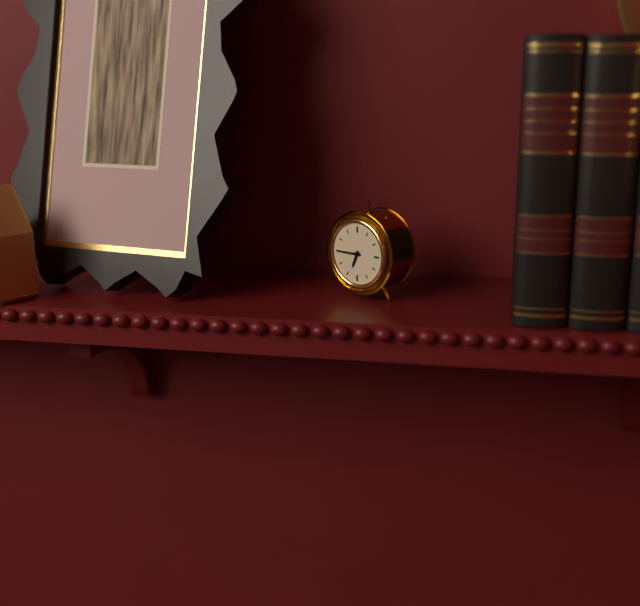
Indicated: 6,45
